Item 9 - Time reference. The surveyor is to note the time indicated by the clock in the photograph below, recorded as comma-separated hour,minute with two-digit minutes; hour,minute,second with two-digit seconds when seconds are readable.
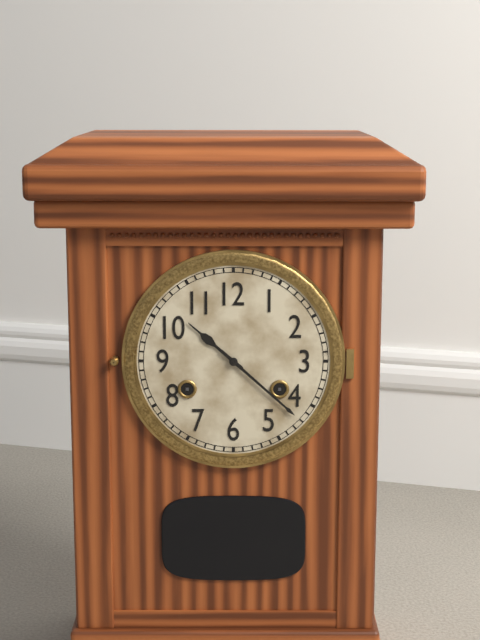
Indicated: 10,22
